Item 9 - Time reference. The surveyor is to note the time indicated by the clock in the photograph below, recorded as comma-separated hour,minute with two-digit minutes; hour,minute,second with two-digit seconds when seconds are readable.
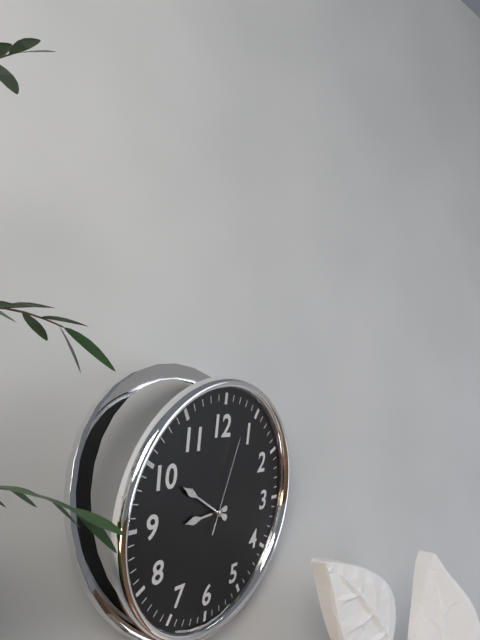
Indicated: 8,50,03
